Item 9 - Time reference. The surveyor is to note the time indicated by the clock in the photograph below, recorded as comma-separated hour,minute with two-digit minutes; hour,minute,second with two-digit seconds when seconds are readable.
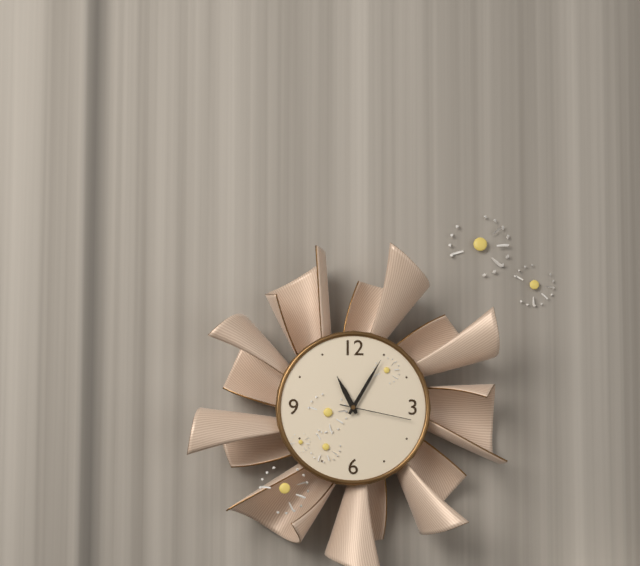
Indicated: 11,05,17
